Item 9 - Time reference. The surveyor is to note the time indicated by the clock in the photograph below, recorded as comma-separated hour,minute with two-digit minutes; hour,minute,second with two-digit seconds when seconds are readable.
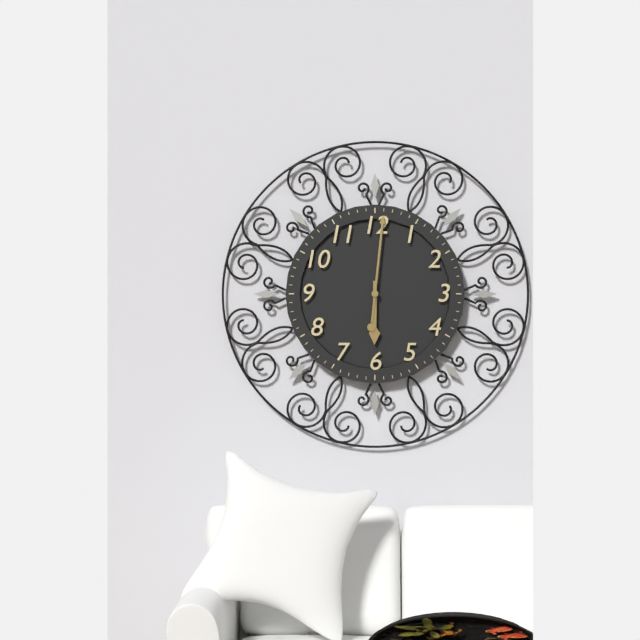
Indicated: 6,01
